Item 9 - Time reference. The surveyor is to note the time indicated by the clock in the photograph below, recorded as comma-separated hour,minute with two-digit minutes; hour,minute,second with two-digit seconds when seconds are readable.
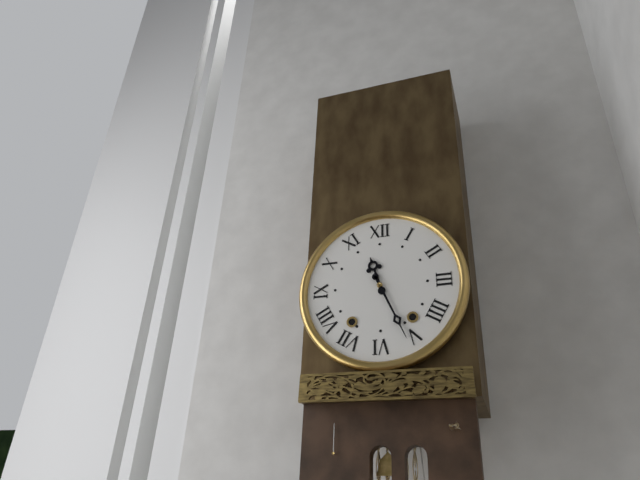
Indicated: 11,26
